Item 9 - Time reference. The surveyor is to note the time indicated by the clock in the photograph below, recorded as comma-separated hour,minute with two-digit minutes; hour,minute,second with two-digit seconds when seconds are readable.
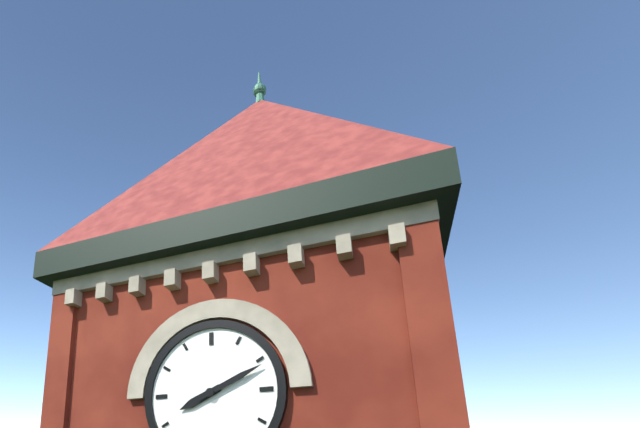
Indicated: 8,11
